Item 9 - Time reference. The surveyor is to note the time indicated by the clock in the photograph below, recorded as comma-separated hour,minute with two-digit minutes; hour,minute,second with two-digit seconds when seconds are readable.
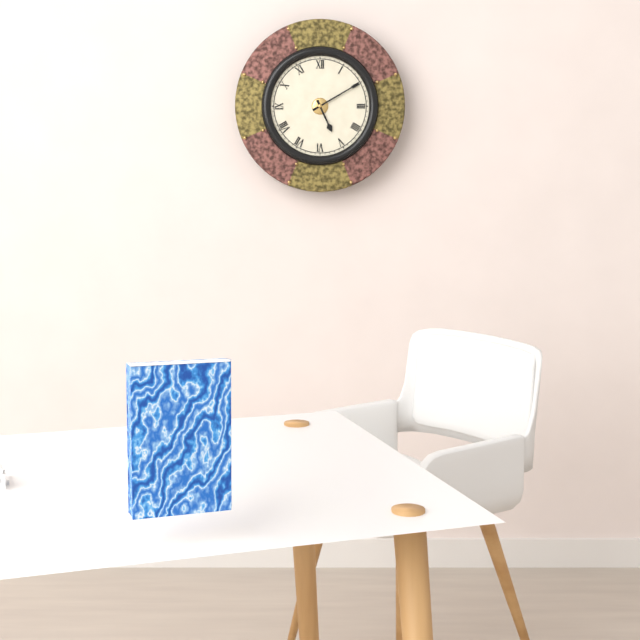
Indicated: 5,10
